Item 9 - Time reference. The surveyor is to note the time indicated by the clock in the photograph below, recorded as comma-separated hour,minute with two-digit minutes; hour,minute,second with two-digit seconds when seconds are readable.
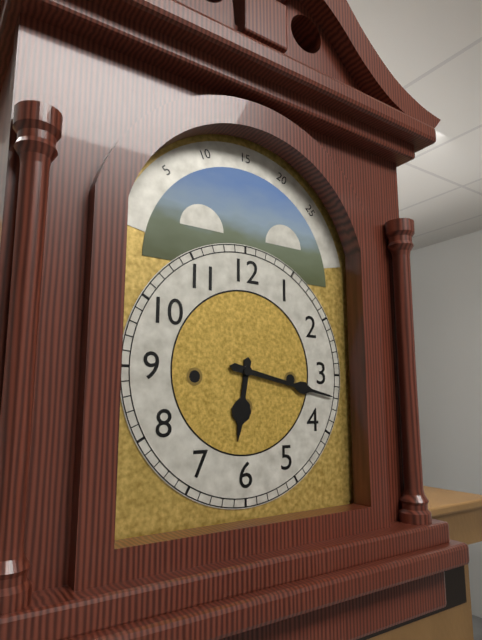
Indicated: 6,17
